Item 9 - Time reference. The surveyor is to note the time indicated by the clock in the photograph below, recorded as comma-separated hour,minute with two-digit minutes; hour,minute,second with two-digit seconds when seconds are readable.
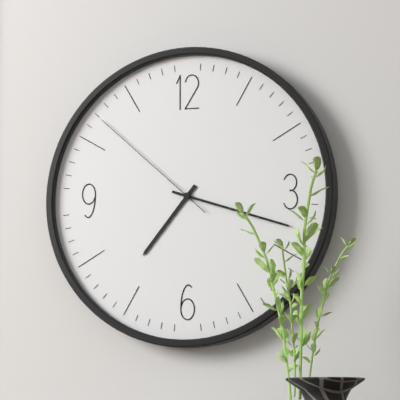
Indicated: 7,18,52
